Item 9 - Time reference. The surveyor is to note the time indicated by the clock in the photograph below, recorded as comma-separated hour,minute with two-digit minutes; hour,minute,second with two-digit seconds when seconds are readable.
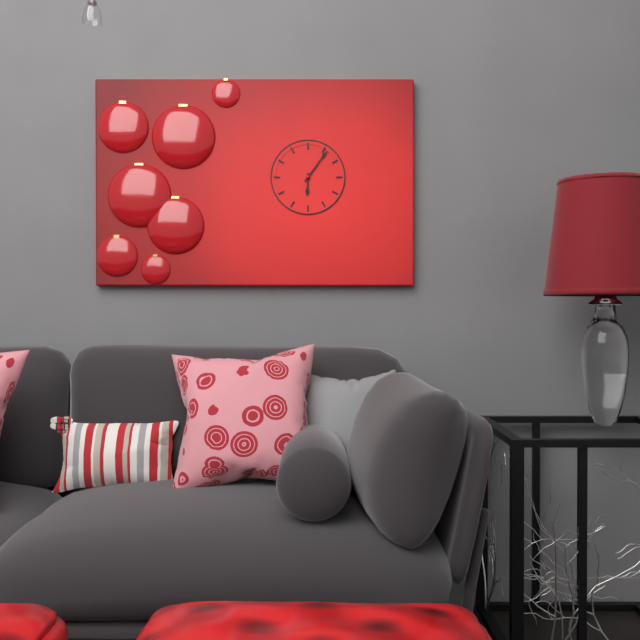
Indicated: 6,06
